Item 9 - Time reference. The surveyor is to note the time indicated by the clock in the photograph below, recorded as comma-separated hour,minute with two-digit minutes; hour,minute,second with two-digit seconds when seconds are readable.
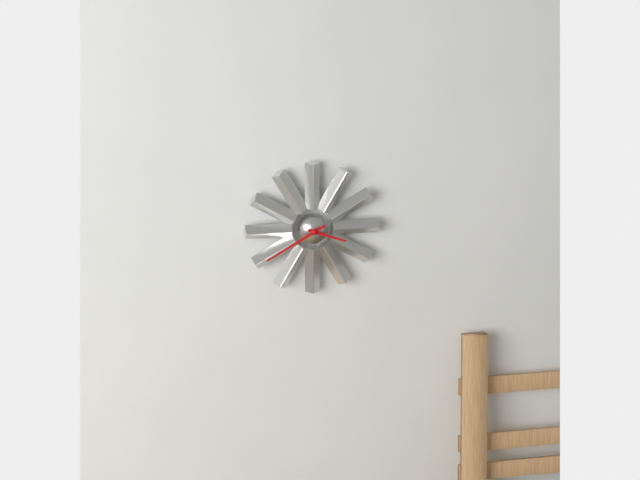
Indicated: 3,40
